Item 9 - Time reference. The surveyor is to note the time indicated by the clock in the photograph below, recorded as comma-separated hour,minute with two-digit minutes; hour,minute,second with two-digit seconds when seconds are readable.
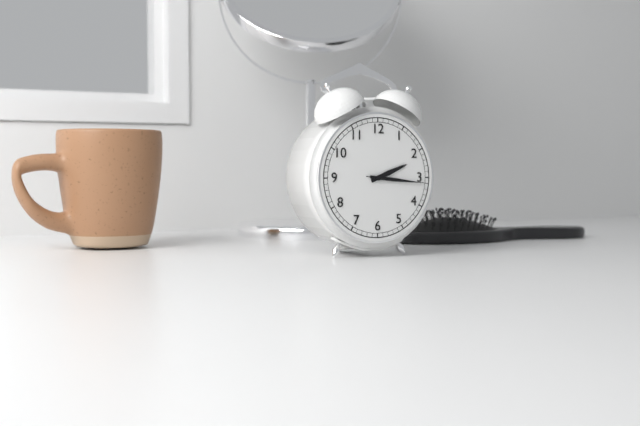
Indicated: 2,16,16
